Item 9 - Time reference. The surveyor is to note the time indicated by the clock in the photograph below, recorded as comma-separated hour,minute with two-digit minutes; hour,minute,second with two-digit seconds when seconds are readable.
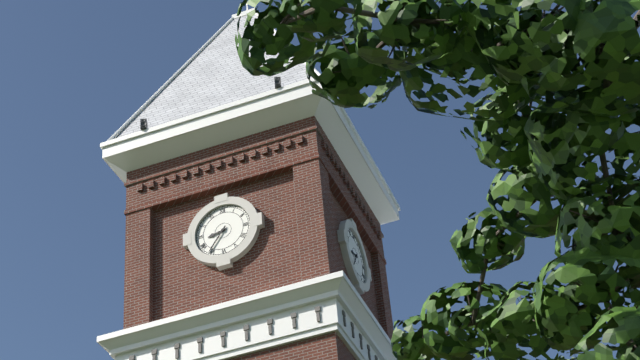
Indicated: 8,36
